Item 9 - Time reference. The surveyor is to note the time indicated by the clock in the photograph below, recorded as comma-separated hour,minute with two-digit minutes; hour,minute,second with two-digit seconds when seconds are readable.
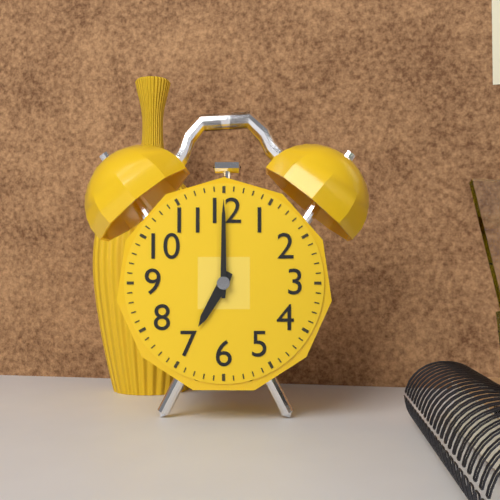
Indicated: 7,00
